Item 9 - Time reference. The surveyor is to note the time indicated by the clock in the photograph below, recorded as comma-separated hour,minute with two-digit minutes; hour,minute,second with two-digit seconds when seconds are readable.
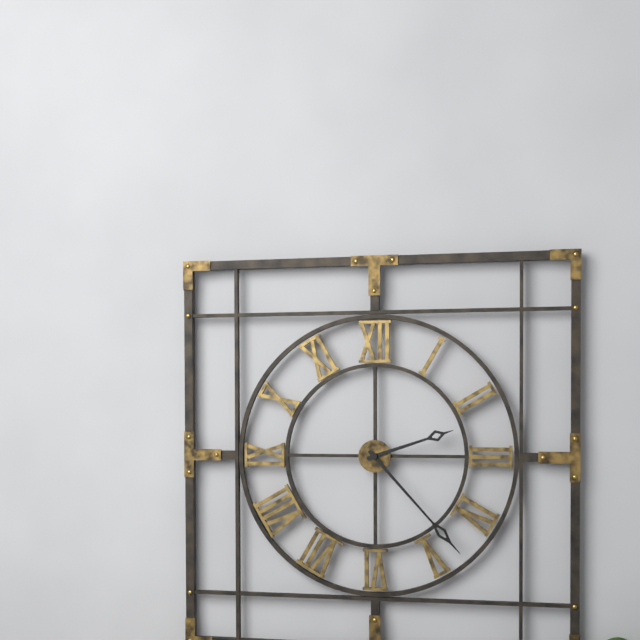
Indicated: 2,23
